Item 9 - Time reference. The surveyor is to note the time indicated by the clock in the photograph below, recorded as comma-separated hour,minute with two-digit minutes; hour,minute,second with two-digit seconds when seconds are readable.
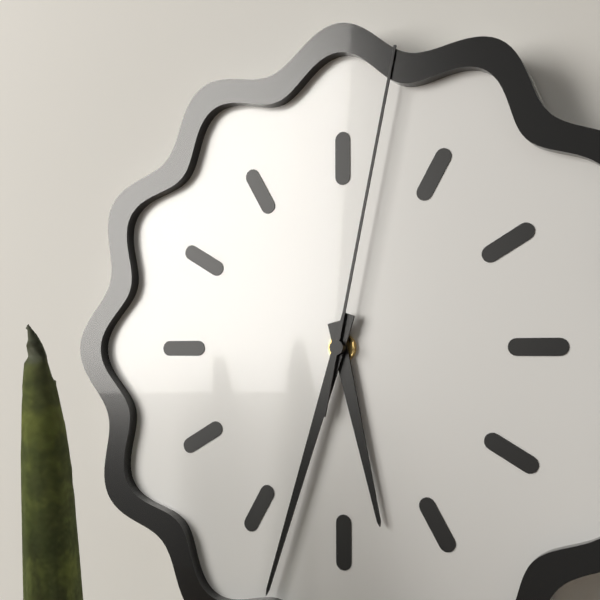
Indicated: 5,33,02
